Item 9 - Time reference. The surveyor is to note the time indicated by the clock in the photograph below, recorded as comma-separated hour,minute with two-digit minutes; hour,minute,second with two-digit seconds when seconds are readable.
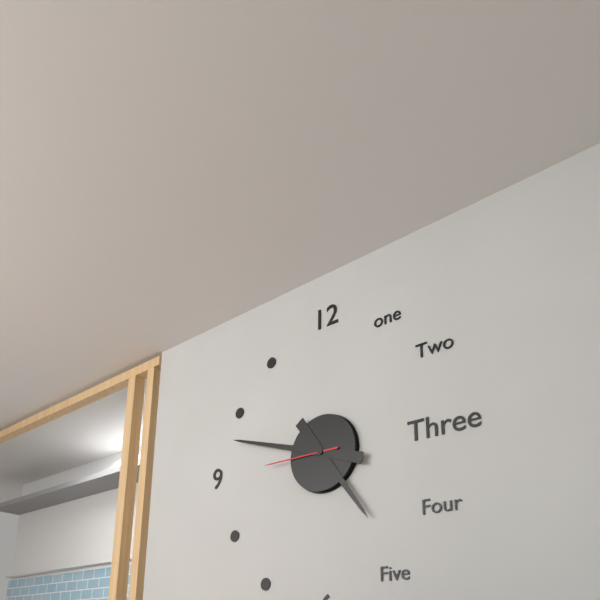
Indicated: 4,48,45
